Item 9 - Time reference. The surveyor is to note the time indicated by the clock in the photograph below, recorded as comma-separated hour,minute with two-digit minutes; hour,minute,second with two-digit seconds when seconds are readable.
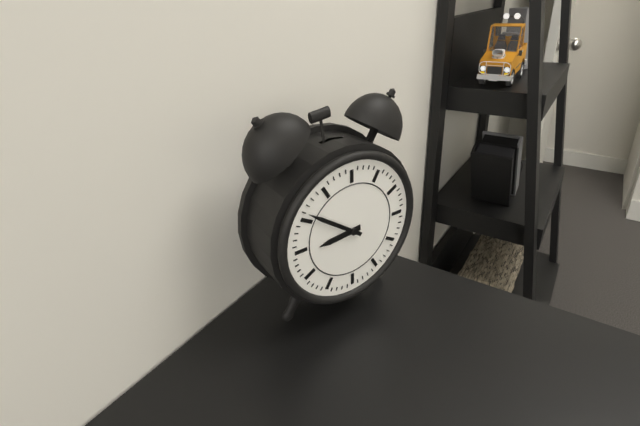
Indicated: 8,51
